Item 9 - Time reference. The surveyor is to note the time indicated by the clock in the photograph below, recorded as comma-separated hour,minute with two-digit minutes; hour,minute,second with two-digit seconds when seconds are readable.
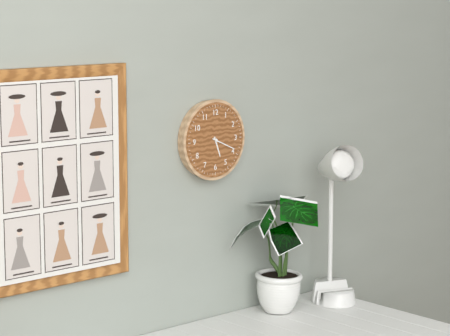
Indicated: 5,19
